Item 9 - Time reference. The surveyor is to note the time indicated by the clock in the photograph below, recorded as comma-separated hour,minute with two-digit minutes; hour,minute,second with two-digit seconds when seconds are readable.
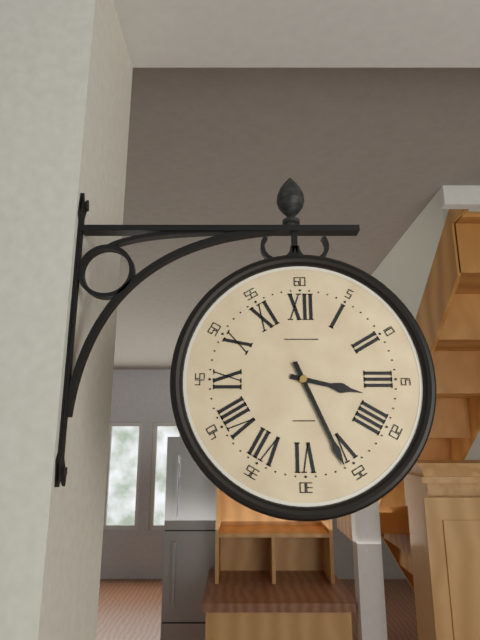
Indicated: 3,26
